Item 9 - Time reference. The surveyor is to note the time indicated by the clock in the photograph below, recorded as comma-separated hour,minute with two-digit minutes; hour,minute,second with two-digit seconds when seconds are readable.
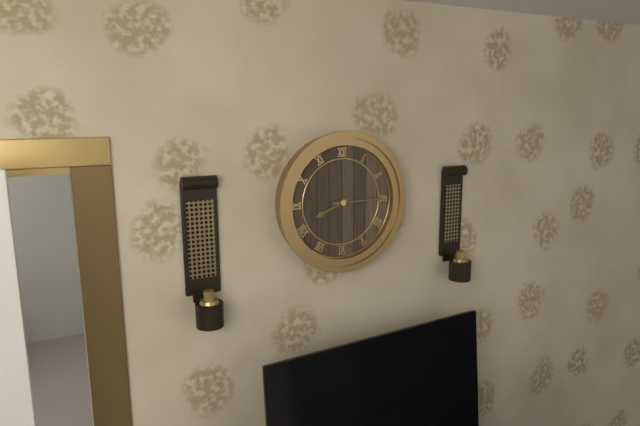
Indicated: 8,15
